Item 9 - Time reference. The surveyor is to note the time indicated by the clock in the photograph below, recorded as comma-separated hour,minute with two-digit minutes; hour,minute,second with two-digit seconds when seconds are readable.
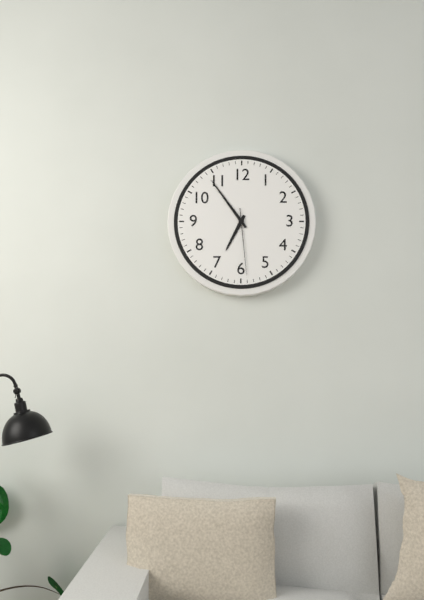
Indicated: 6,54,29
